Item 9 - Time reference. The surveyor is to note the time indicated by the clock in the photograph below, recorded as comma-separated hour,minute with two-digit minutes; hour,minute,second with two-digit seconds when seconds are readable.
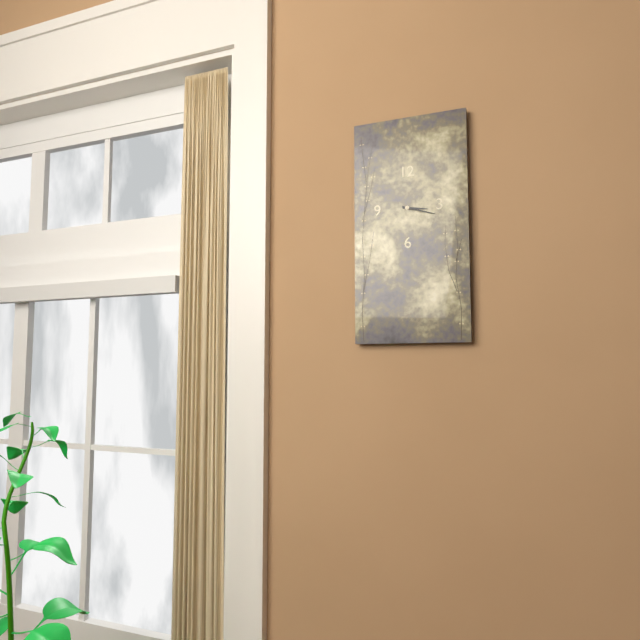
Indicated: 3,18
